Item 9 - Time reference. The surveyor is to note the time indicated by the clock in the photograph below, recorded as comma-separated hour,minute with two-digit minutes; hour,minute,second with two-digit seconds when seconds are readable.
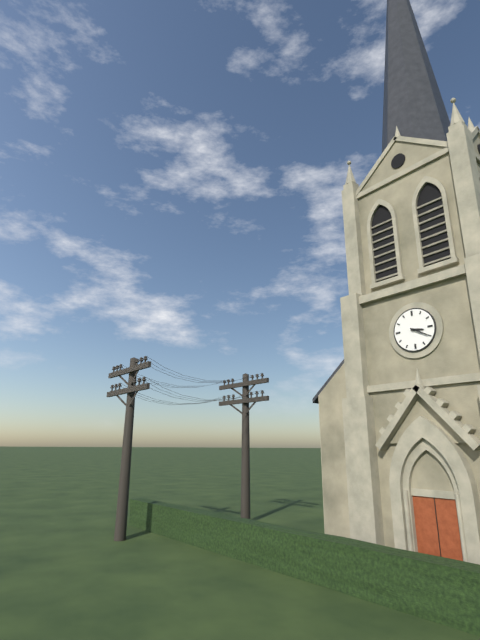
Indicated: 3,20
